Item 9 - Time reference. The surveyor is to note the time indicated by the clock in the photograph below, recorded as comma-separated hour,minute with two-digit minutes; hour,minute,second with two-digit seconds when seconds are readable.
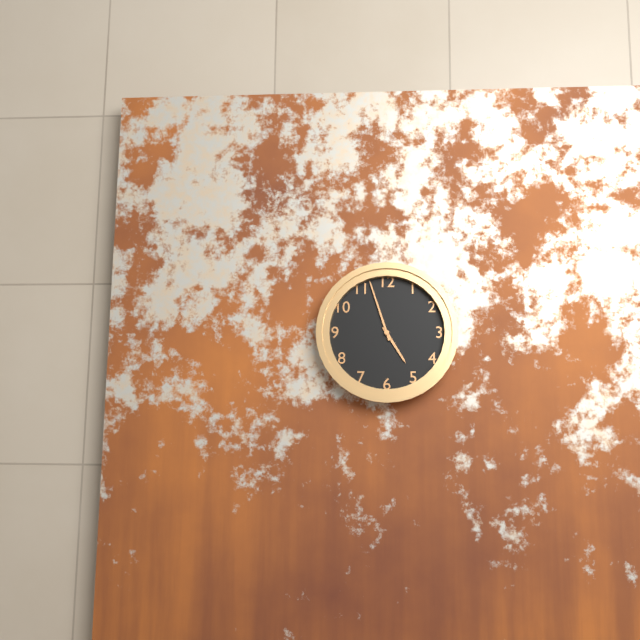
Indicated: 4,57
